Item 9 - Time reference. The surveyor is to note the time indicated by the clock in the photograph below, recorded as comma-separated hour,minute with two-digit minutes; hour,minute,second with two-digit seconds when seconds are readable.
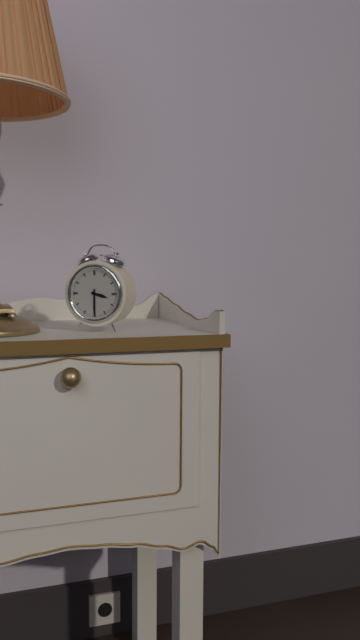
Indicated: 3,30
